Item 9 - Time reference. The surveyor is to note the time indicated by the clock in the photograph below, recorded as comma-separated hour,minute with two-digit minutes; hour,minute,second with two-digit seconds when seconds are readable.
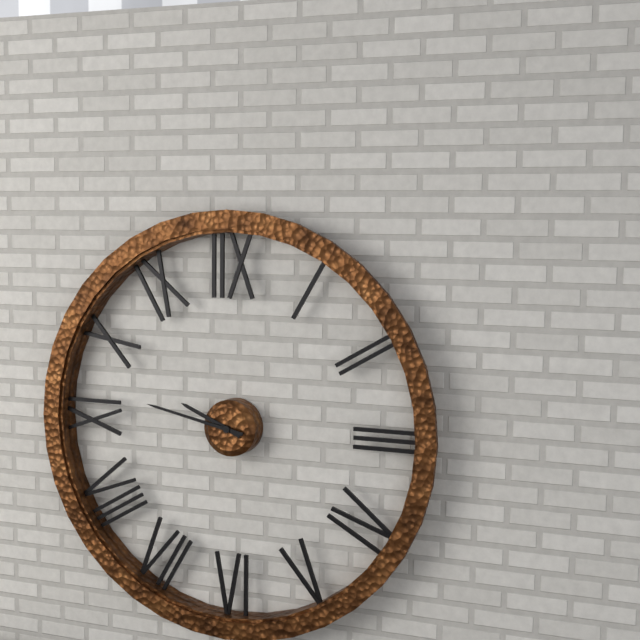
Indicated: 9,47
